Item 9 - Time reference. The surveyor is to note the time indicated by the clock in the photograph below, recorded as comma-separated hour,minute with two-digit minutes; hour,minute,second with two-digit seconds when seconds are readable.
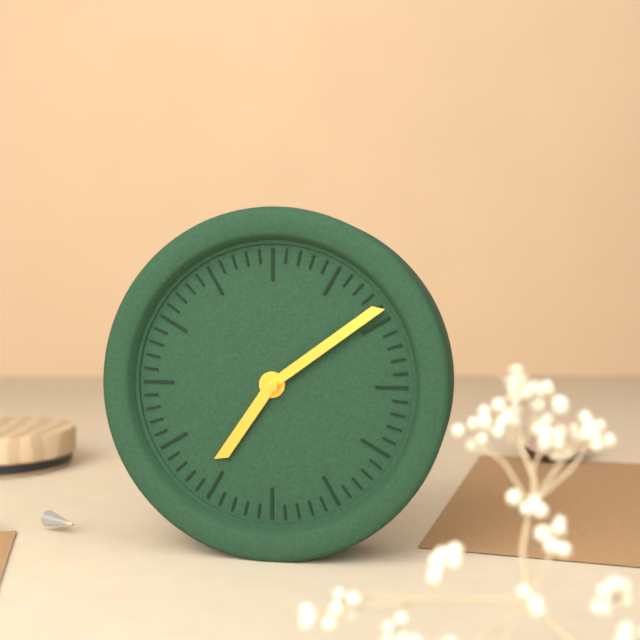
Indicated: 7,09
